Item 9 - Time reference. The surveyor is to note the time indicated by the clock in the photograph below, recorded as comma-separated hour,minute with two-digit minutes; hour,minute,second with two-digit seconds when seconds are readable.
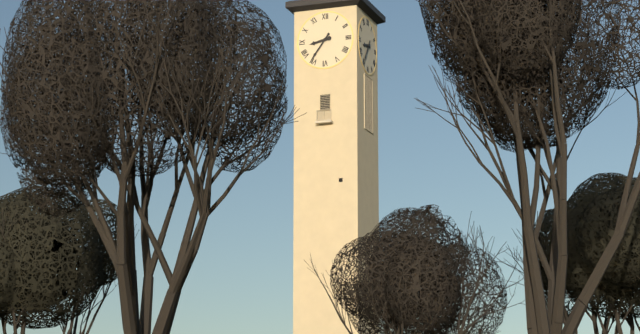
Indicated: 8,36
